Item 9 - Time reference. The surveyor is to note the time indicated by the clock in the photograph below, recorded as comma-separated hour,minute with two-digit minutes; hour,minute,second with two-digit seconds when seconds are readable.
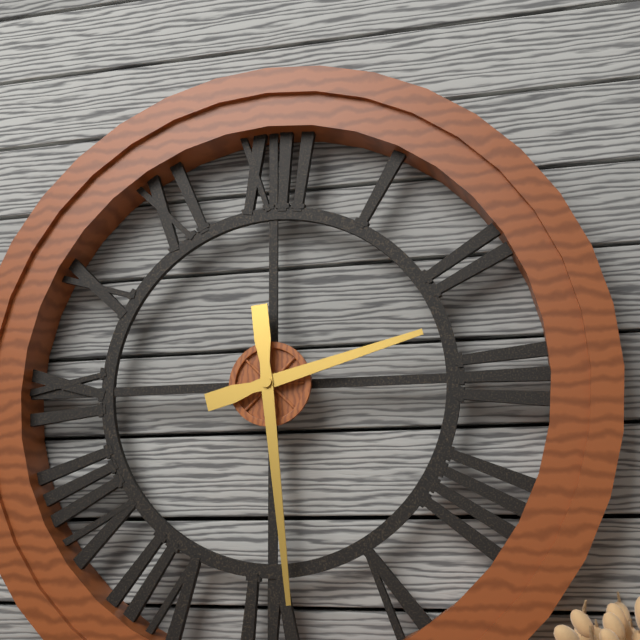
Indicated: 2,29
